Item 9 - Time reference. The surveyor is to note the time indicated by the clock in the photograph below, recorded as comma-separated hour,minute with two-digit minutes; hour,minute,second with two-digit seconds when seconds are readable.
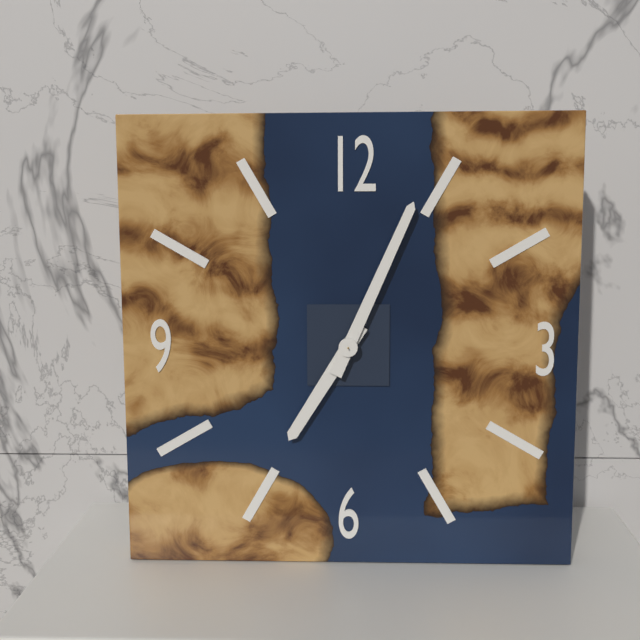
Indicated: 7,04
